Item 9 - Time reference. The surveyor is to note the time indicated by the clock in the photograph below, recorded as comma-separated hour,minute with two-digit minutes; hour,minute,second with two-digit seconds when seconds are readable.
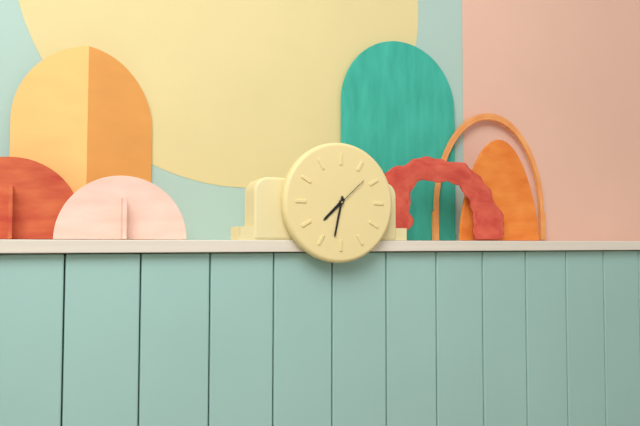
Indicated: 7,32
